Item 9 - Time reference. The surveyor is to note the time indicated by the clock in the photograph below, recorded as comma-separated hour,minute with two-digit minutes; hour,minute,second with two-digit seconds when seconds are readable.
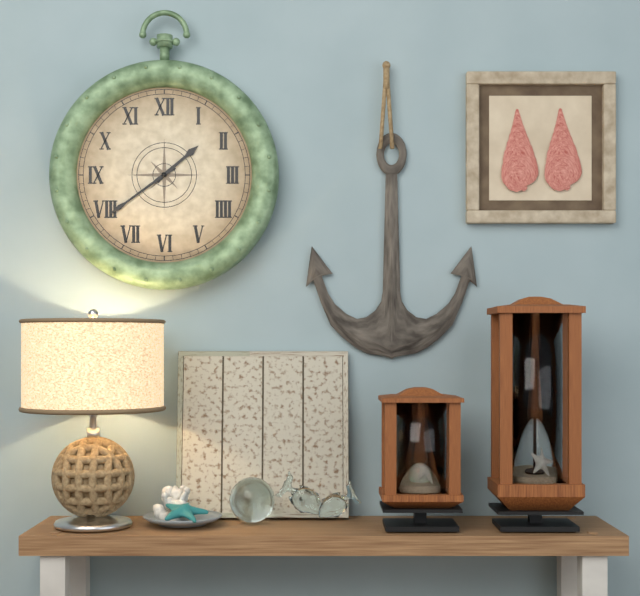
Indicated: 1,39
